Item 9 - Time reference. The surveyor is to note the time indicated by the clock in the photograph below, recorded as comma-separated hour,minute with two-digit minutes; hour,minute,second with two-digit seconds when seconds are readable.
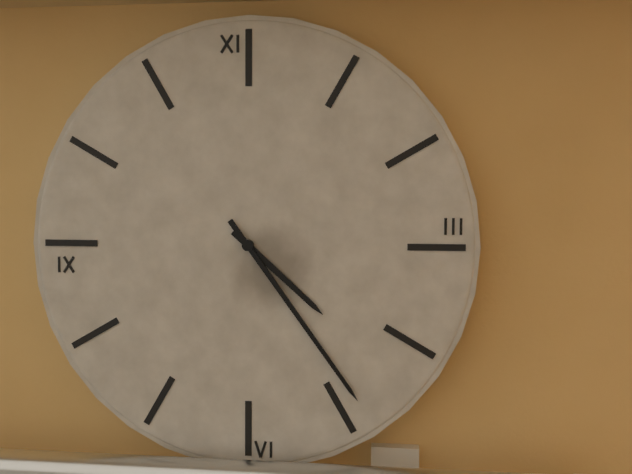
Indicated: 4,24
